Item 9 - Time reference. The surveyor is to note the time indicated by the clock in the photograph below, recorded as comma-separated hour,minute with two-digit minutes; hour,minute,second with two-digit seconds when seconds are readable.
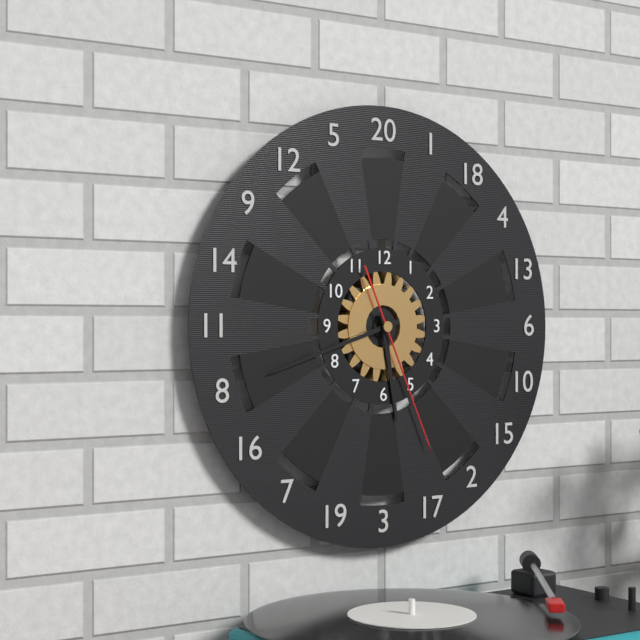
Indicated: 5,42,26
